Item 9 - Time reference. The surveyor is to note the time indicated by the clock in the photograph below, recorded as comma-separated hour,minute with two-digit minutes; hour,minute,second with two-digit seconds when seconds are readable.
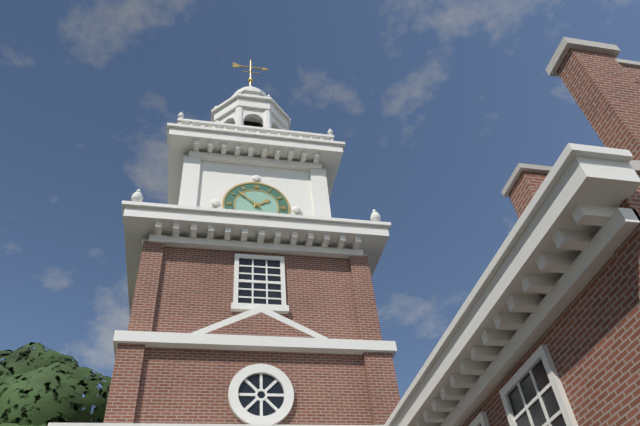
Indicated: 1,52
